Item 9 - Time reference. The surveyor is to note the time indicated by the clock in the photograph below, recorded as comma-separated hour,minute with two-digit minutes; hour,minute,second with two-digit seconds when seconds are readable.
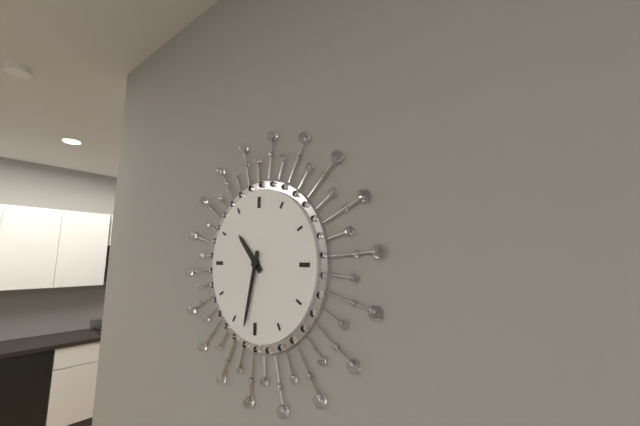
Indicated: 10,32
